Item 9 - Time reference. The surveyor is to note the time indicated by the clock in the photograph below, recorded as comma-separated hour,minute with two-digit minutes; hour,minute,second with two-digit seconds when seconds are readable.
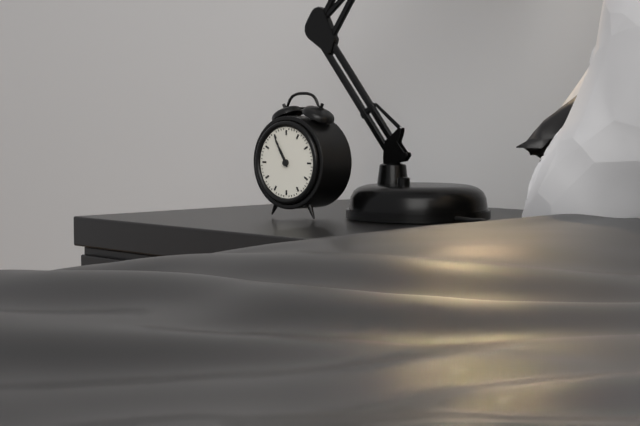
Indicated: 10,55
